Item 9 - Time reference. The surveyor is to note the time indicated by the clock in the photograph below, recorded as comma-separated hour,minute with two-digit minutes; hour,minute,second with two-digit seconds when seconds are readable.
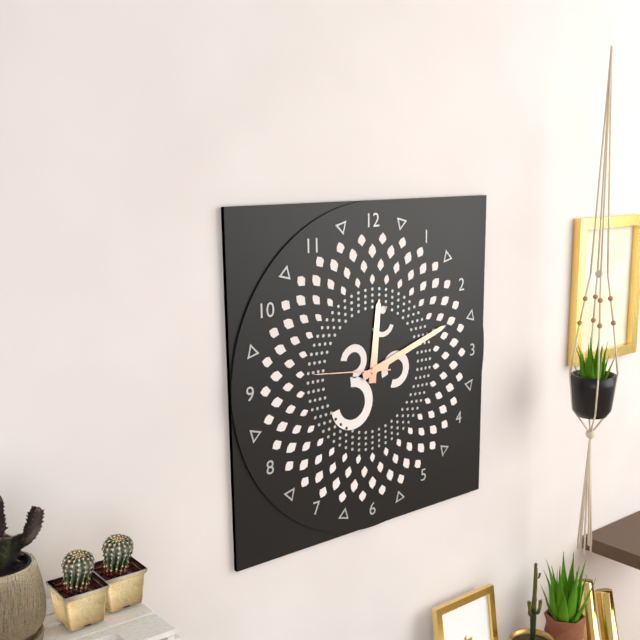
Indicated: 12,12,46
